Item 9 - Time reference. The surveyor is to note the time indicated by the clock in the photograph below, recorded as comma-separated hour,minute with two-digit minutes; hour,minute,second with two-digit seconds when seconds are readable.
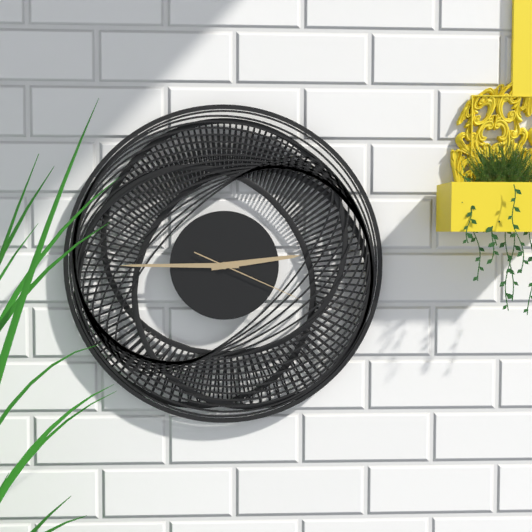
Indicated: 2,45,19
